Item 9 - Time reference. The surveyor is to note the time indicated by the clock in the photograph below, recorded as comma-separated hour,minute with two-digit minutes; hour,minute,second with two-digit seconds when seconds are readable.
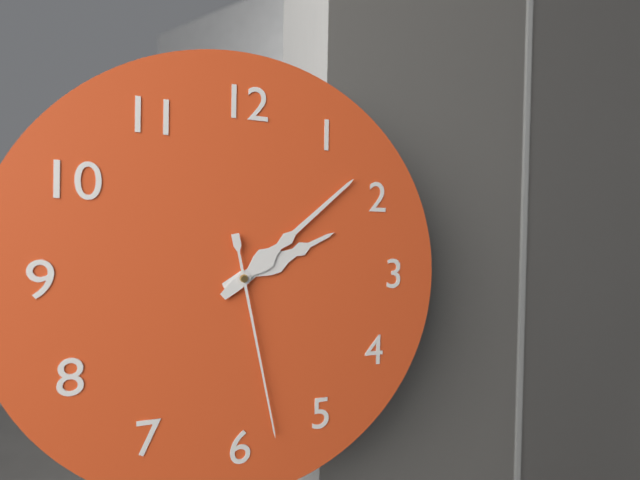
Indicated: 2,08,28
